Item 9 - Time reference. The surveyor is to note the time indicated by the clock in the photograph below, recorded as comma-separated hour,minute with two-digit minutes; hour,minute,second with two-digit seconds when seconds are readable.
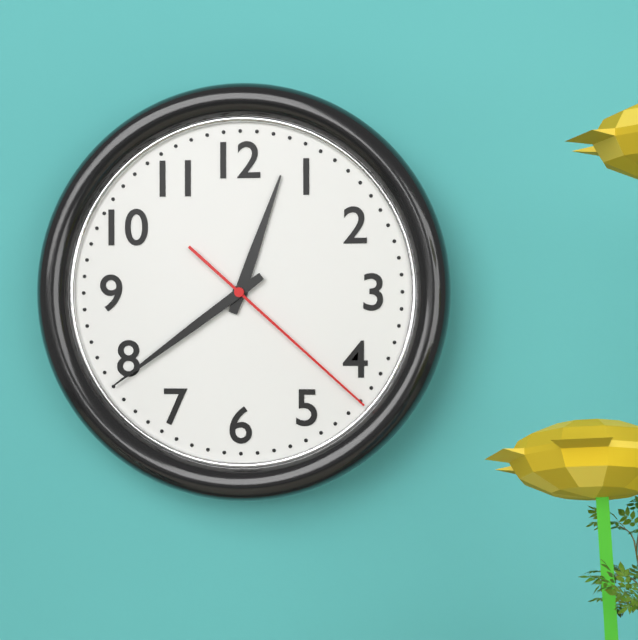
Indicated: 12,39,22
